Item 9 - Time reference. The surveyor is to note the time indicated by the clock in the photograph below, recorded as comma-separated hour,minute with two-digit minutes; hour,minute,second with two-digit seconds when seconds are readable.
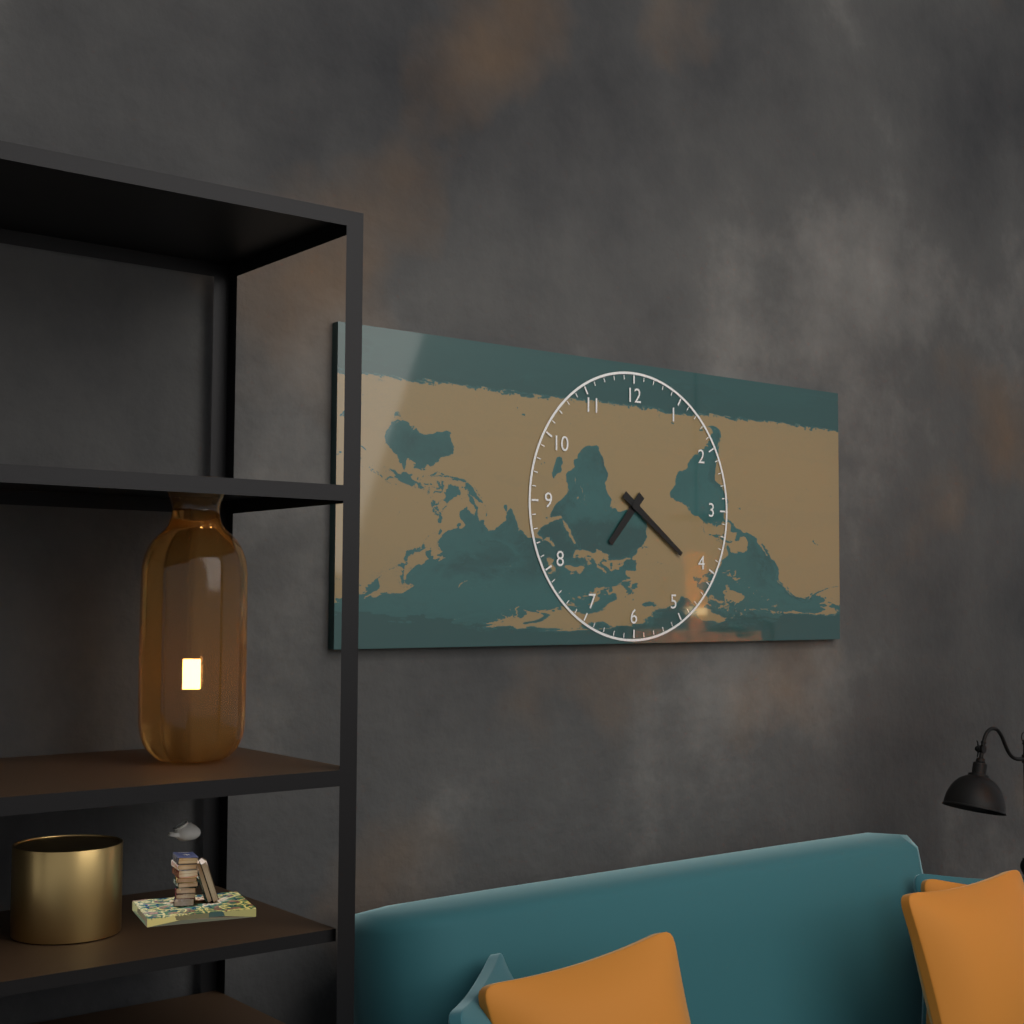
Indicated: 7,21
